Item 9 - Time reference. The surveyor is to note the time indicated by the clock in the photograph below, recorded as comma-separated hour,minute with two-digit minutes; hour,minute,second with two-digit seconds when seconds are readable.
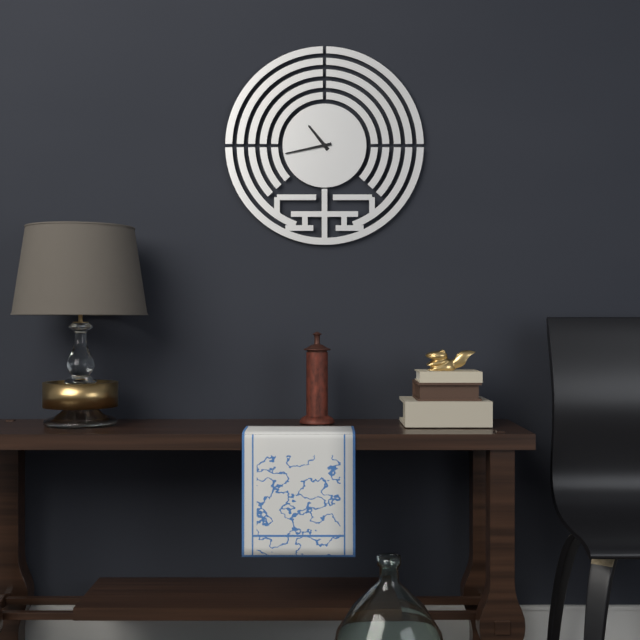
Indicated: 10,43
